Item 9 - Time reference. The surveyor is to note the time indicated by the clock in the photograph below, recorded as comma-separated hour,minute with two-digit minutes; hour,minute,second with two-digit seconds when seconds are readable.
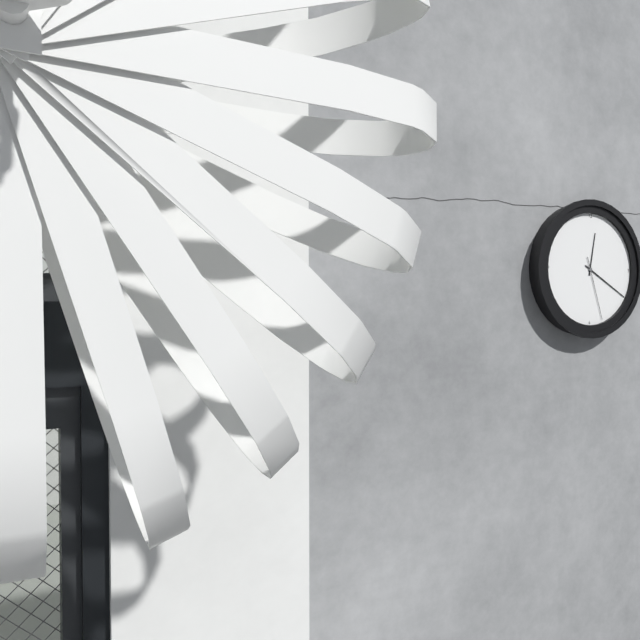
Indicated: 12,20,27
